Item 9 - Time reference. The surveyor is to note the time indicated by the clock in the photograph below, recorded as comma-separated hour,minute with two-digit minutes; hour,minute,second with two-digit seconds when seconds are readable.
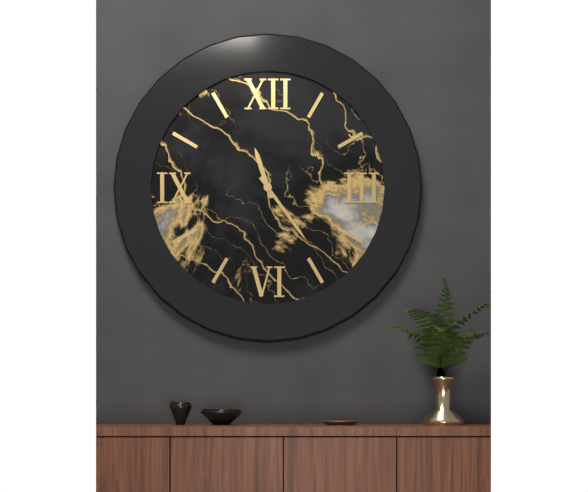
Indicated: 11,24
